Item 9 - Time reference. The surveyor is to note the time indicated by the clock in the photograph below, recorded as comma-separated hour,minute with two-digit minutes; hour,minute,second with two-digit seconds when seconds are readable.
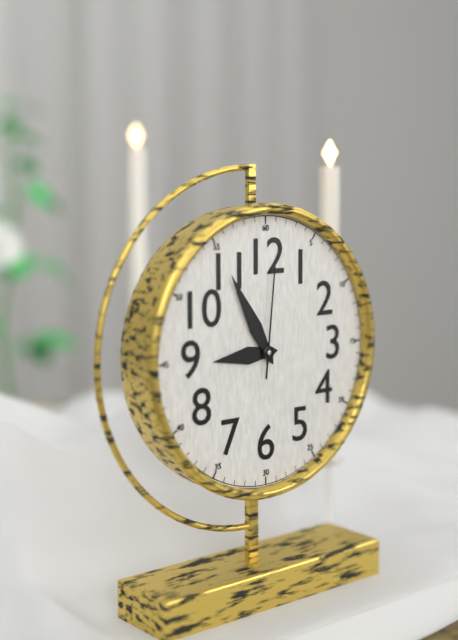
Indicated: 8,55,01
